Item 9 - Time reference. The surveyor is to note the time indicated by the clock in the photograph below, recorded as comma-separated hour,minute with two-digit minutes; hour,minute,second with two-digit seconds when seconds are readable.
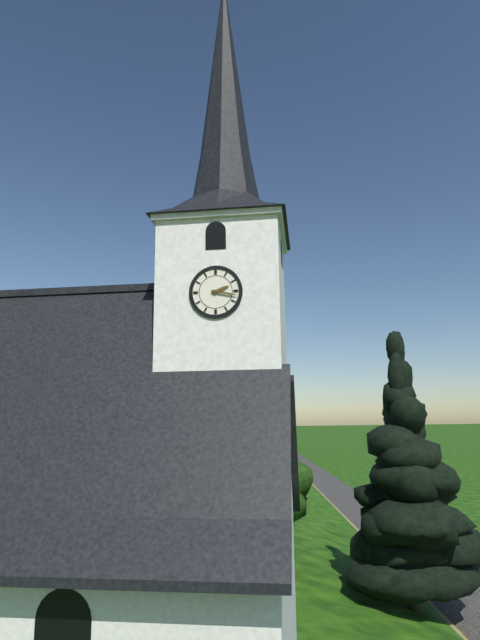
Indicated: 2,17
